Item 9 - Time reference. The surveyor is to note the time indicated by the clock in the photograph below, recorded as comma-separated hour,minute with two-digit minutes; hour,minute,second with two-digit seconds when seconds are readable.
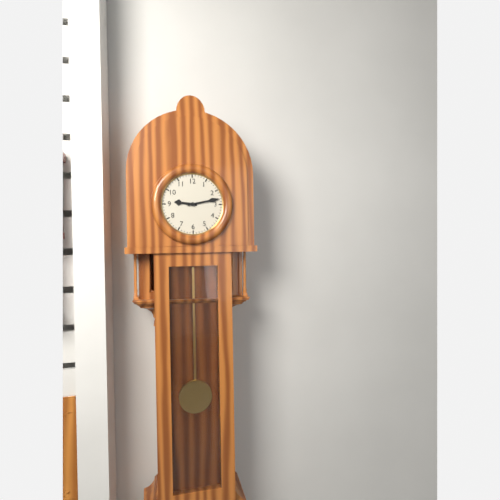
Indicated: 9,13
